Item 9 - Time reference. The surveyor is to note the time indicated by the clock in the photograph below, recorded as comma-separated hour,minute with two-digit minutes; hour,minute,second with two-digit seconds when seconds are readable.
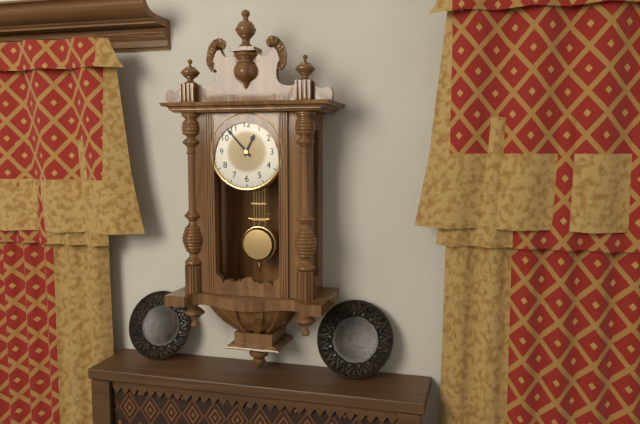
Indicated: 12,53
